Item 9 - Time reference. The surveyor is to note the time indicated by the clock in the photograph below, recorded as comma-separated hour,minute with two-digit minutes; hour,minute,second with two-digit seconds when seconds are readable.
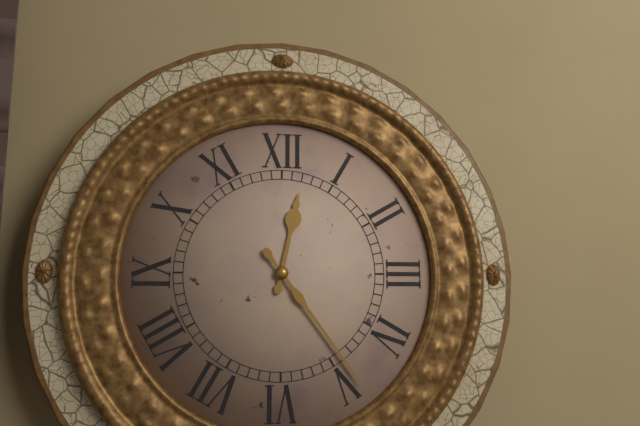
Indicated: 12,24
